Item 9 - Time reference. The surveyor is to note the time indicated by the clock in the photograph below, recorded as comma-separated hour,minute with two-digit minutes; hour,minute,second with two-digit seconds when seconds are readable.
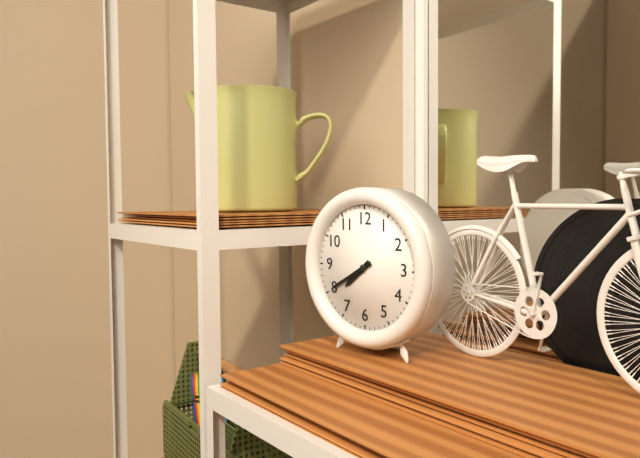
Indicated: 7,40
